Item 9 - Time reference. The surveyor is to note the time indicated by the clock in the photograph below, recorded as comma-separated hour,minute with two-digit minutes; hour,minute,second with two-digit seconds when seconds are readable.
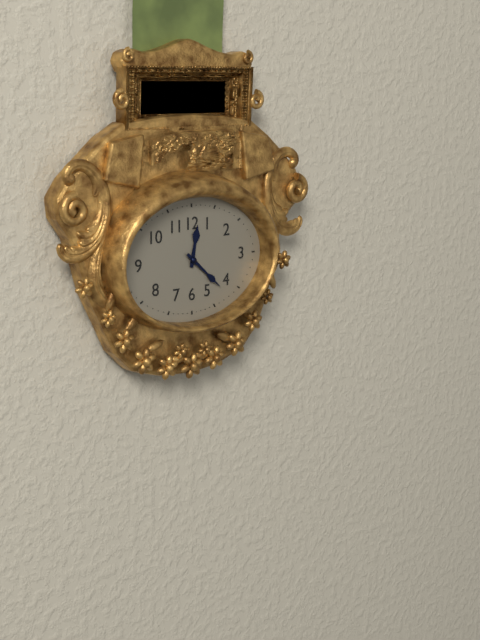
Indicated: 12,22
